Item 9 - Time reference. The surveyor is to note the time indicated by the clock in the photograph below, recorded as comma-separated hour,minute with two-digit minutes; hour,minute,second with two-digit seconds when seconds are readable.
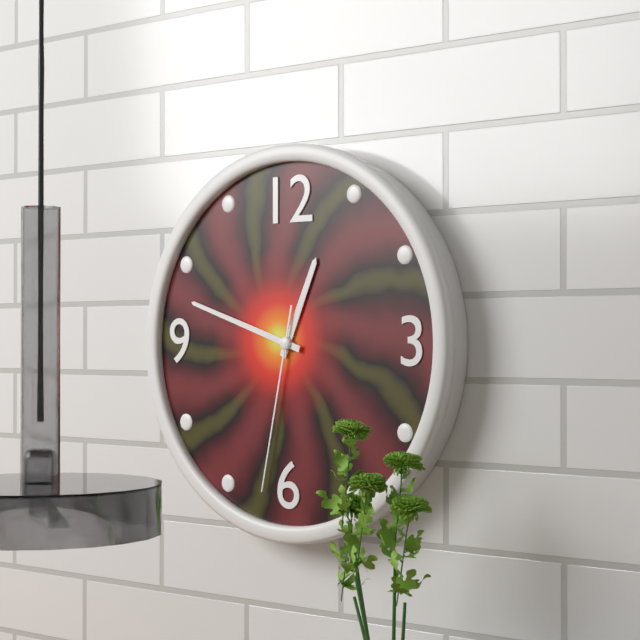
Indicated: 12,48,32
